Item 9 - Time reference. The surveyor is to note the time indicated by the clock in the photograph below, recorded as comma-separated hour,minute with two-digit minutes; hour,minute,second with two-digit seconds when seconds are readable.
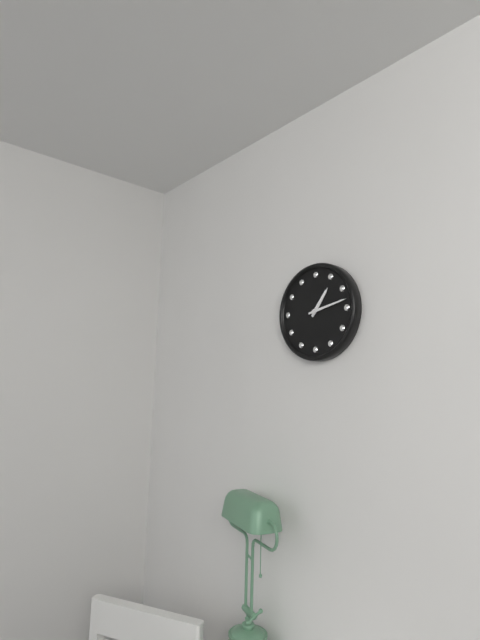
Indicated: 1,13
